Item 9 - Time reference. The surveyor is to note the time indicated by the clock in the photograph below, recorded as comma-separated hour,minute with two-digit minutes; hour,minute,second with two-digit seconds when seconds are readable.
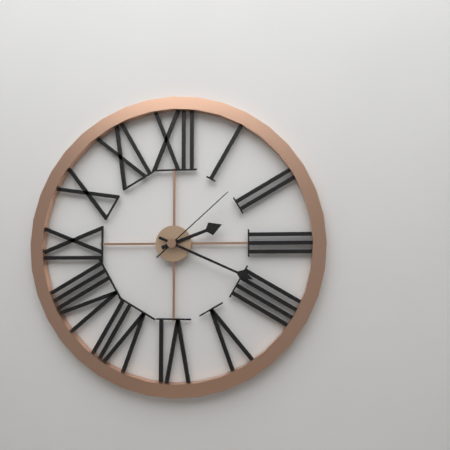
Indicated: 2,19,08
